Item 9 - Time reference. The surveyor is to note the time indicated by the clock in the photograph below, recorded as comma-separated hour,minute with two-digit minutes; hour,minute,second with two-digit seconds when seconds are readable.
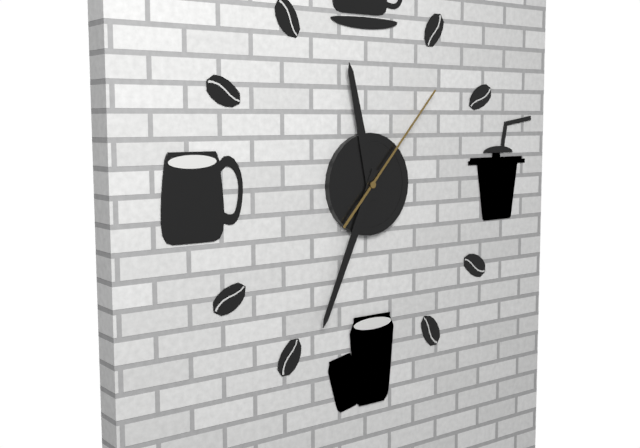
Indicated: 11,34,07
